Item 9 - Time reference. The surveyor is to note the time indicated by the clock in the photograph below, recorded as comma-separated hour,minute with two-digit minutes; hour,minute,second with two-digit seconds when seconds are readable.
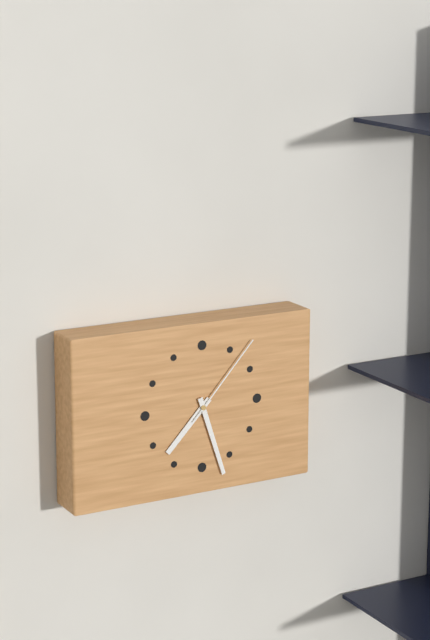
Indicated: 7,27,07
